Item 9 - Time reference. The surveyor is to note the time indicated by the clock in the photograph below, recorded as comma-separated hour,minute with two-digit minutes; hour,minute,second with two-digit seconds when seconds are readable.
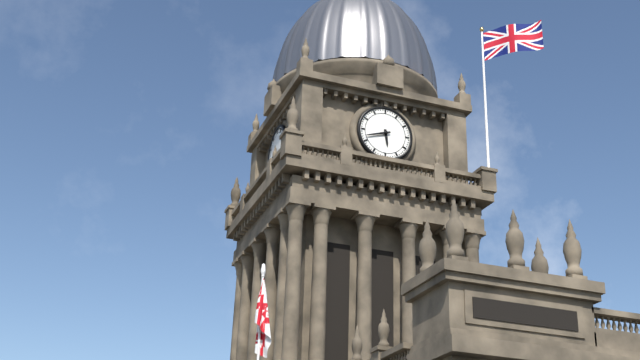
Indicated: 5,42
